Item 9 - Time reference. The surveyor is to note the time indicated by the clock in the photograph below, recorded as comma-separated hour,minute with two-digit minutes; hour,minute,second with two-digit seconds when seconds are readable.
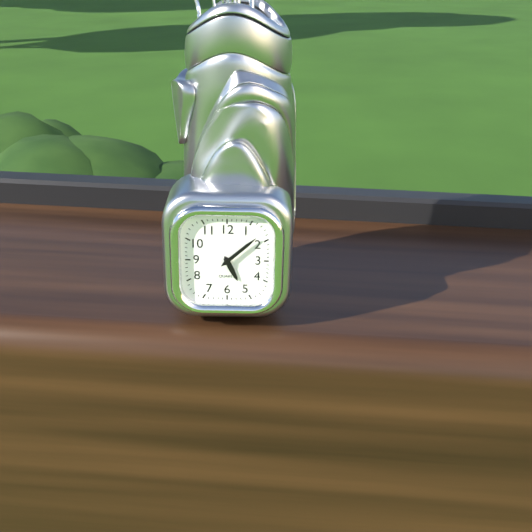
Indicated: 5,08
